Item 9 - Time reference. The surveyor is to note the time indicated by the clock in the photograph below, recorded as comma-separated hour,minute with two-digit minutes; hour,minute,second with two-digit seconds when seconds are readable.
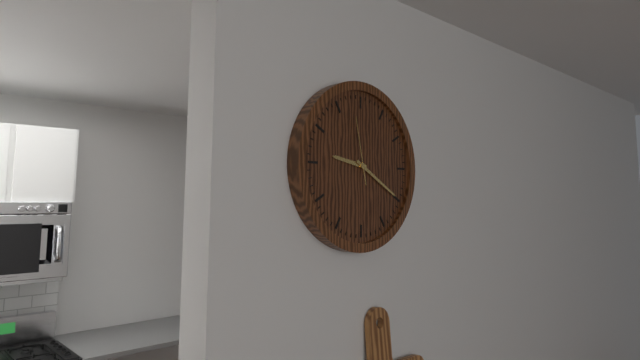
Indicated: 9,20,58
